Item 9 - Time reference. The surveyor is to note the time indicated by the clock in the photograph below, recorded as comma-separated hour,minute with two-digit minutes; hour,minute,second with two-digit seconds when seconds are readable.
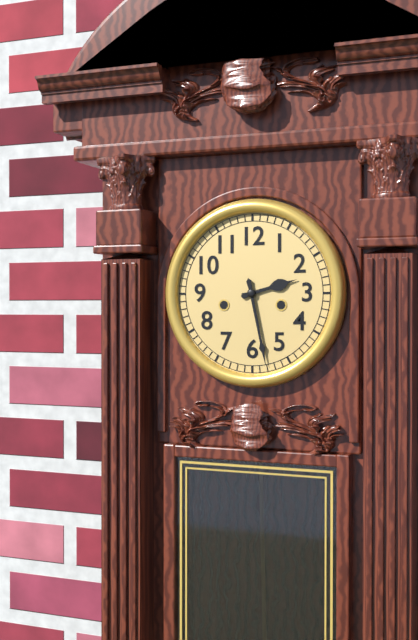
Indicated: 2,28
